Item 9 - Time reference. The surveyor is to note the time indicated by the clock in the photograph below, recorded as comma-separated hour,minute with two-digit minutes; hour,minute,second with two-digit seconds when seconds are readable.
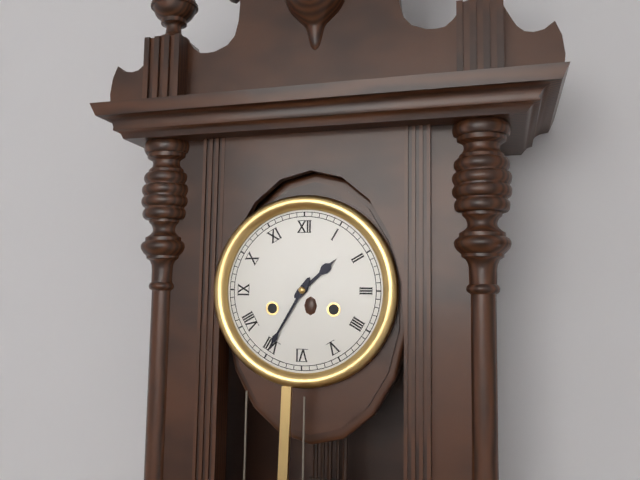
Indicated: 1,35
